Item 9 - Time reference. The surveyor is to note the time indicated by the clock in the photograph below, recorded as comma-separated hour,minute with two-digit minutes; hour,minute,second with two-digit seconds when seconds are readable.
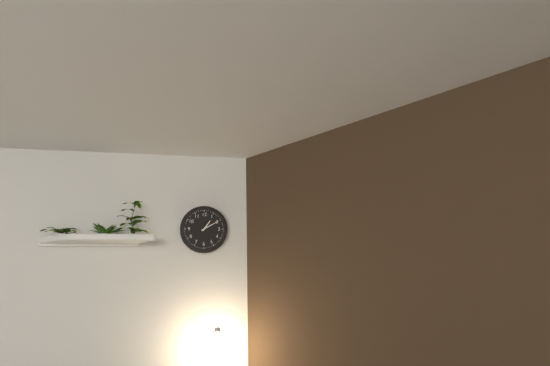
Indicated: 1,10
